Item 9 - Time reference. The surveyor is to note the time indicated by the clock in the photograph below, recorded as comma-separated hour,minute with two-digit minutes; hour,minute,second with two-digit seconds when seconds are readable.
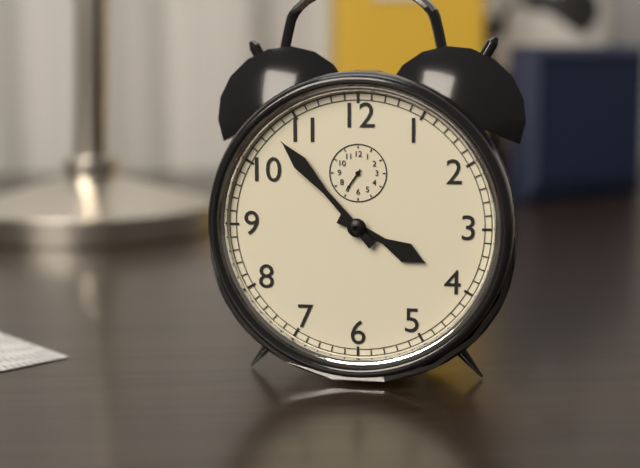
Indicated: 3,53
